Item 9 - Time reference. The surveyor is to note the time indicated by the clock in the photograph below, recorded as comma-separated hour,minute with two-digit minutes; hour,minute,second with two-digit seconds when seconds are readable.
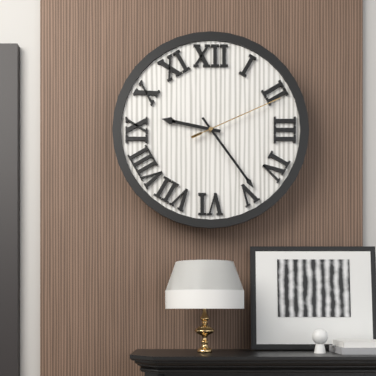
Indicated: 9,24,11
